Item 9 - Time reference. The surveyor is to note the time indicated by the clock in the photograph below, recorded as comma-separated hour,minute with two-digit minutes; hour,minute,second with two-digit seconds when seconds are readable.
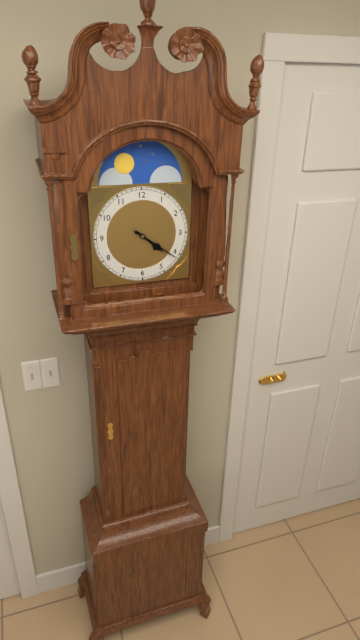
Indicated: 4,21
